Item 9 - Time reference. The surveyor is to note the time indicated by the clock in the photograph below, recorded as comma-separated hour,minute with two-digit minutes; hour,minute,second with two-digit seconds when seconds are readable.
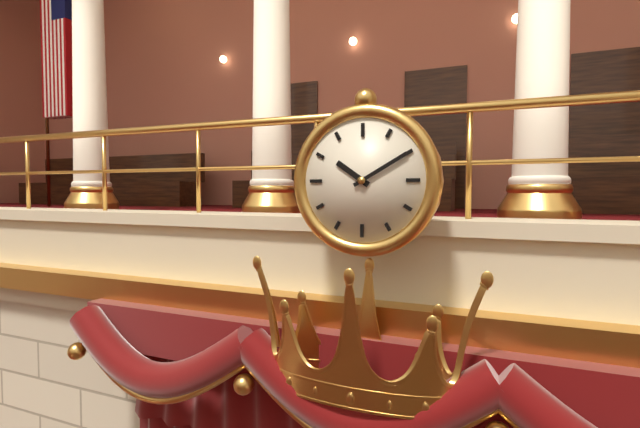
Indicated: 10,10
